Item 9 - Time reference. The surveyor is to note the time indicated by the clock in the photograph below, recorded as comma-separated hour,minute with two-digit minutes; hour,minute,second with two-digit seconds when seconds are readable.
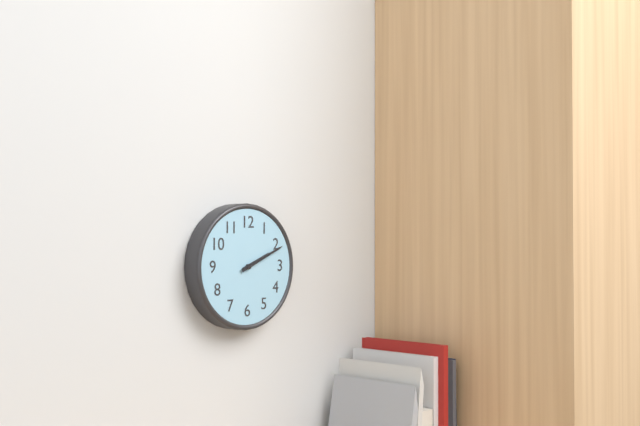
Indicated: 2,11
